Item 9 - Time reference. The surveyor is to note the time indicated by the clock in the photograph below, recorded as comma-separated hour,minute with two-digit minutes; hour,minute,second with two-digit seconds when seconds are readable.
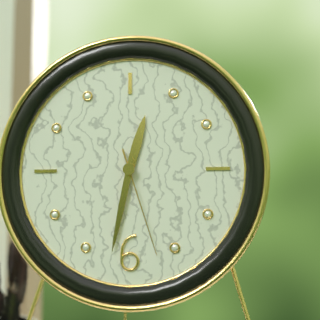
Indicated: 12,32,27
